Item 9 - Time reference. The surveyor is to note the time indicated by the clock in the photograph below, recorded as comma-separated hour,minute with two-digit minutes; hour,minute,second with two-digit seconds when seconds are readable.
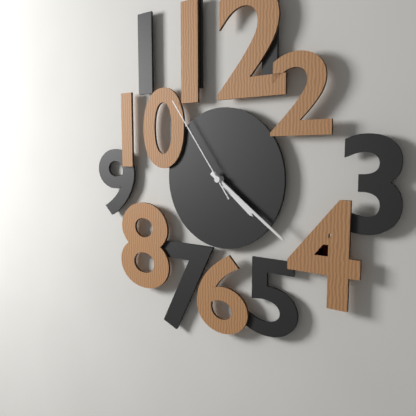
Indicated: 4,21,54
